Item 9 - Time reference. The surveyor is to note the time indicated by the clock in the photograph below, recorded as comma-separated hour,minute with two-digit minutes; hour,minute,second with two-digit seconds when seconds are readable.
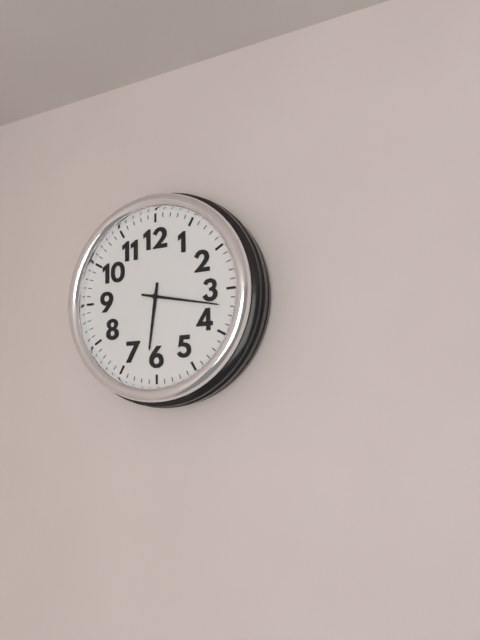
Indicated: 6,17
